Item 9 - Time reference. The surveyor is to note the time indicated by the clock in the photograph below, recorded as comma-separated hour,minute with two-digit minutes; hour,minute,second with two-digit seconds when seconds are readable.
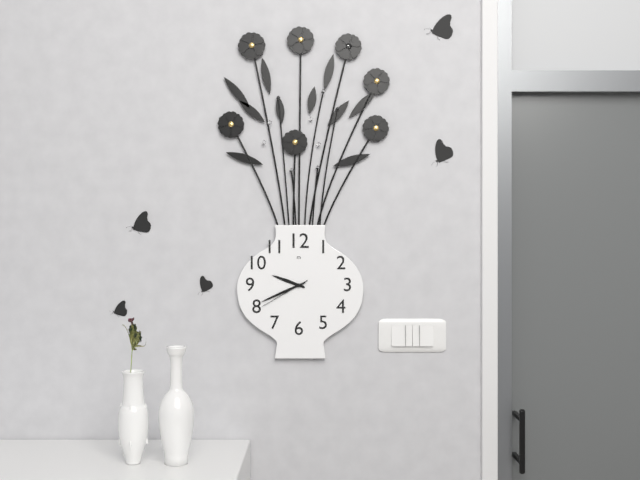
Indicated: 9,41,40
